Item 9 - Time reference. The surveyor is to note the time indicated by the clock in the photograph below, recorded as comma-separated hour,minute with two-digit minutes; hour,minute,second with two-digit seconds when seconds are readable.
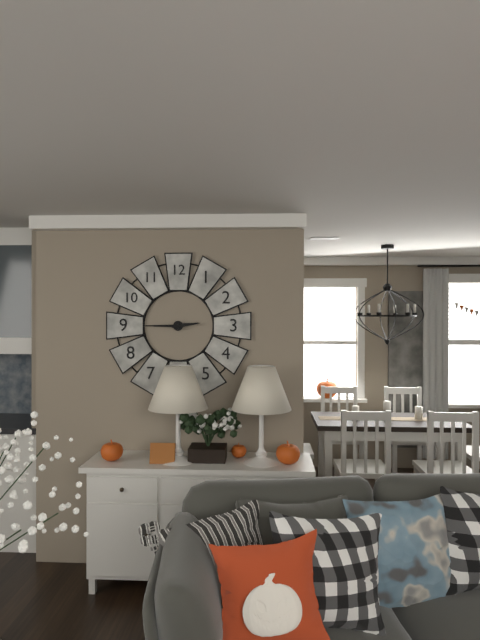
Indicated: 2,45
